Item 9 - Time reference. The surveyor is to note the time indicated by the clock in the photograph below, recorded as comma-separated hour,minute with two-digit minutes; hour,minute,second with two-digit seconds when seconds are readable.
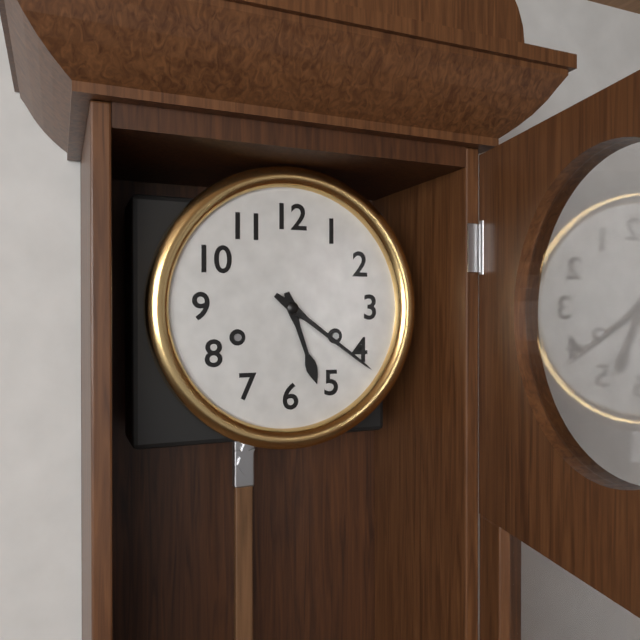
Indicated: 5,21
